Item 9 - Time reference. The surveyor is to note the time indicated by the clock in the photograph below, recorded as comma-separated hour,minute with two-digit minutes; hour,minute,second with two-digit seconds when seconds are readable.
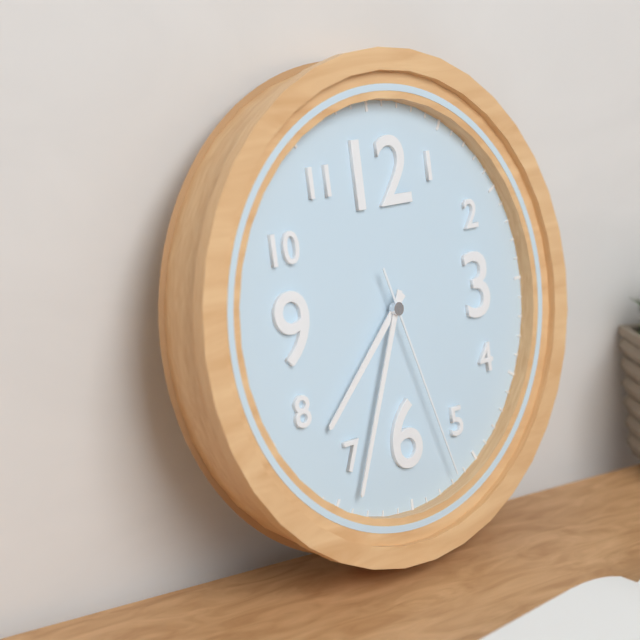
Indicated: 7,34,27
